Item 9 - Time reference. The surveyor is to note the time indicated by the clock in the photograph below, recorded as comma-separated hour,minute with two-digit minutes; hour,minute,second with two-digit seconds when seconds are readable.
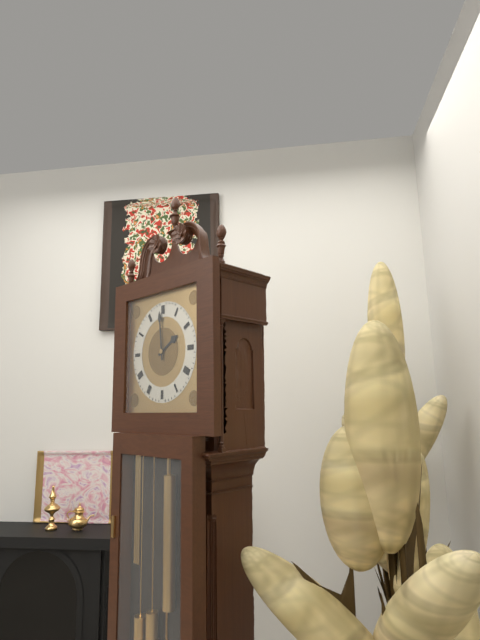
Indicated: 1,59
